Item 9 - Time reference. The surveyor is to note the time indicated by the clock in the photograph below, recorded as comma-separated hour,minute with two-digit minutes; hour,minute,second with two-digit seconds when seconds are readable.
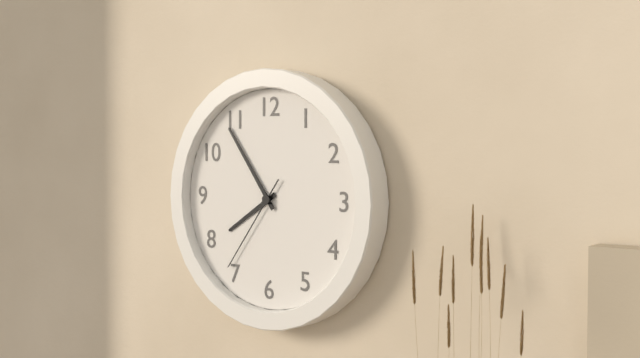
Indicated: 7,54,36
